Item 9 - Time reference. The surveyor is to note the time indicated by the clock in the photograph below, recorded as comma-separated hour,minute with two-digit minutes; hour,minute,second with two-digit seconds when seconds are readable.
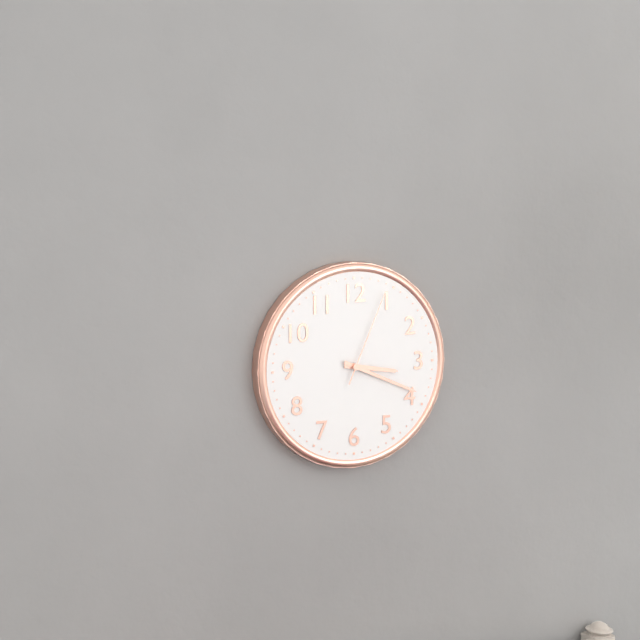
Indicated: 3,19,04
